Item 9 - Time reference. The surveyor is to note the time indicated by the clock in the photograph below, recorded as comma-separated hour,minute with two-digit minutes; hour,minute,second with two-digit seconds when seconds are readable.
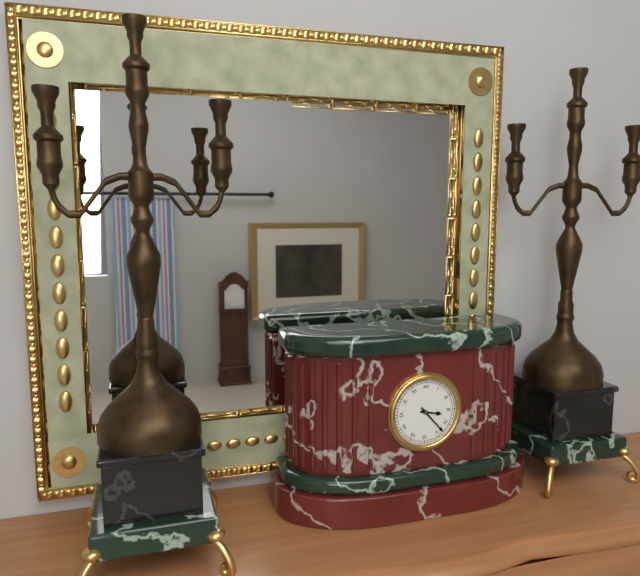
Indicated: 3,23
